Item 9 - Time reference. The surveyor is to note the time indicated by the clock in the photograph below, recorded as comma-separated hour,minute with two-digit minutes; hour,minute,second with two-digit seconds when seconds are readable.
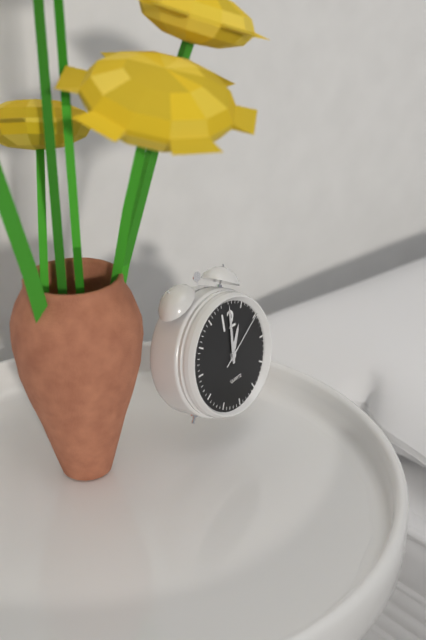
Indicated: 1,01,10
